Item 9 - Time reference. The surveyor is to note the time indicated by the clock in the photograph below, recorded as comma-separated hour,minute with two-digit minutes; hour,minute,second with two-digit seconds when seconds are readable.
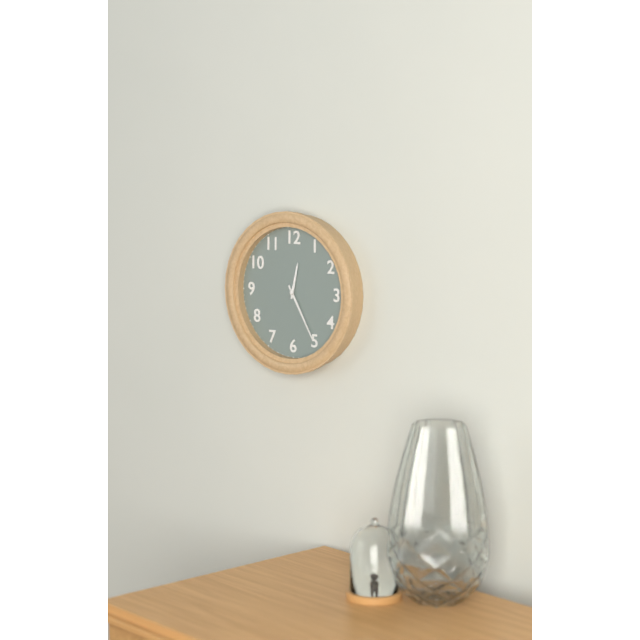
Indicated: 12,25
